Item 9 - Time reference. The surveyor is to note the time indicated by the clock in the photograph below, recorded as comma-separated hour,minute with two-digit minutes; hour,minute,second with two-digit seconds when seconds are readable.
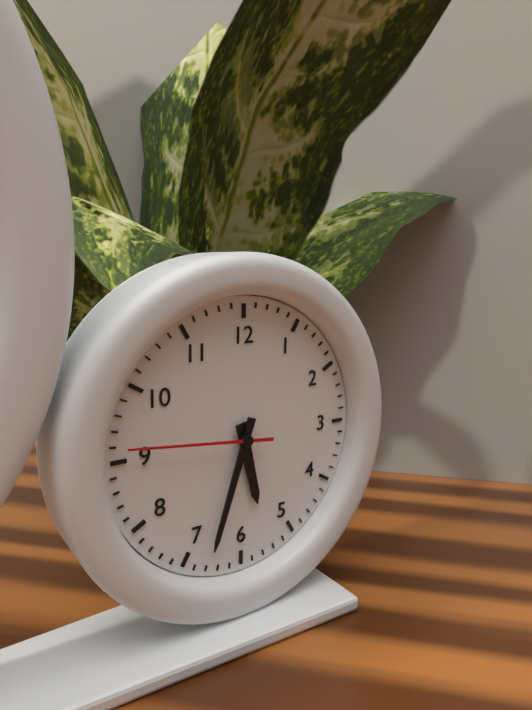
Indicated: 5,33,46
